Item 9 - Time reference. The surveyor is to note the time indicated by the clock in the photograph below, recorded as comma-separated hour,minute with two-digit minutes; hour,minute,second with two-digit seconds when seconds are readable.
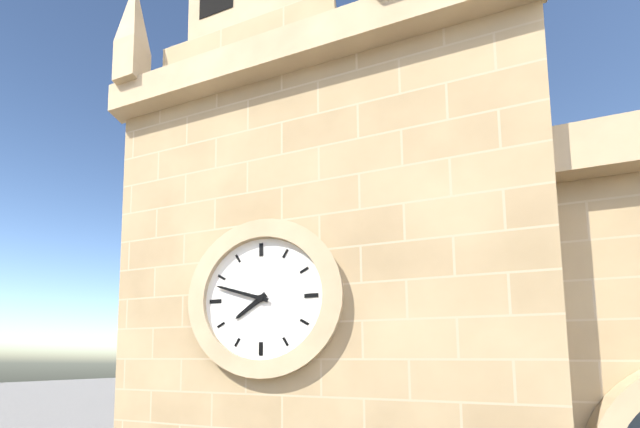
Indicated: 7,48
